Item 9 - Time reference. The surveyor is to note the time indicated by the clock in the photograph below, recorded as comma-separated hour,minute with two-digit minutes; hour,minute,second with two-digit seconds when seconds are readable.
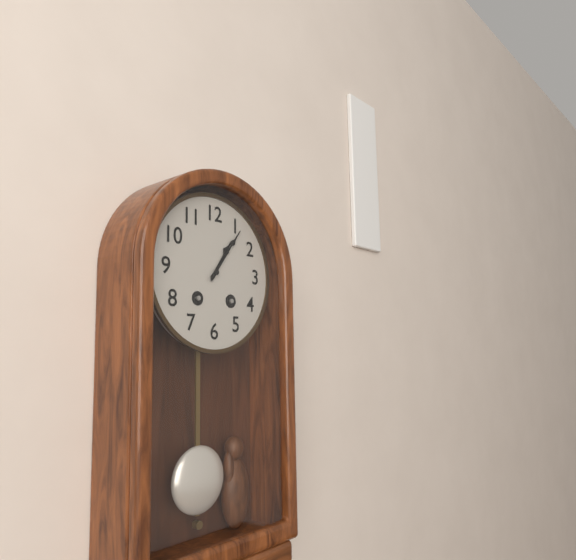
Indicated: 1,06
